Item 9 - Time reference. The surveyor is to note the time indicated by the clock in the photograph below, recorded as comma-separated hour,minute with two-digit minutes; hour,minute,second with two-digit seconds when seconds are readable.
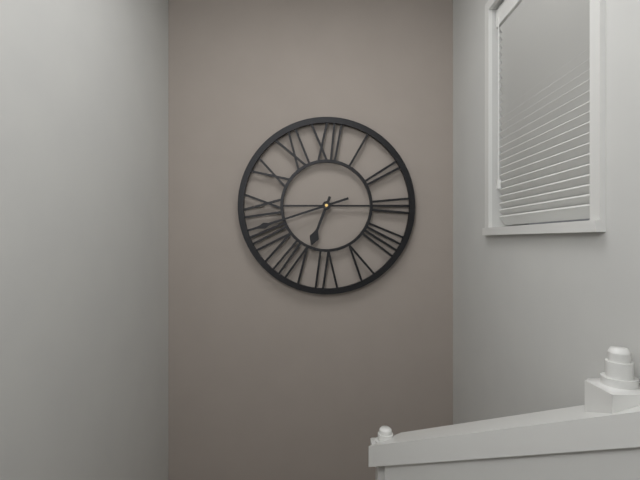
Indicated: 6,42
